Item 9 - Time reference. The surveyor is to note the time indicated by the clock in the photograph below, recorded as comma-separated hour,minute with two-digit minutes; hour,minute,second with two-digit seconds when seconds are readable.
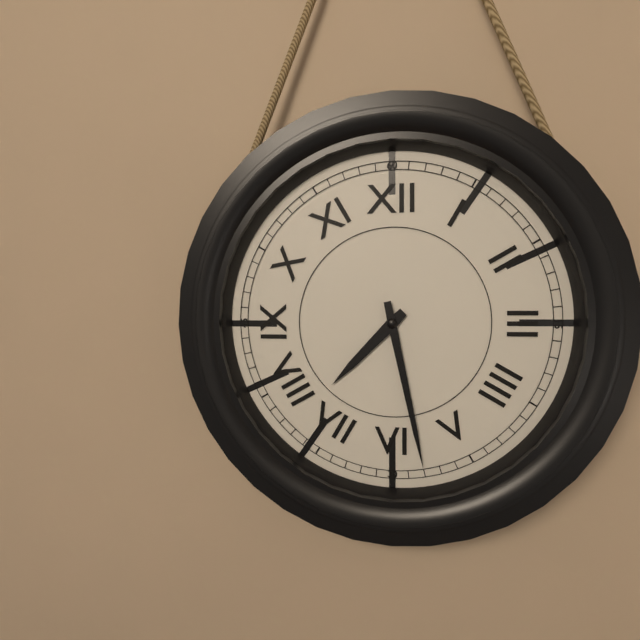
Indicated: 7,28
